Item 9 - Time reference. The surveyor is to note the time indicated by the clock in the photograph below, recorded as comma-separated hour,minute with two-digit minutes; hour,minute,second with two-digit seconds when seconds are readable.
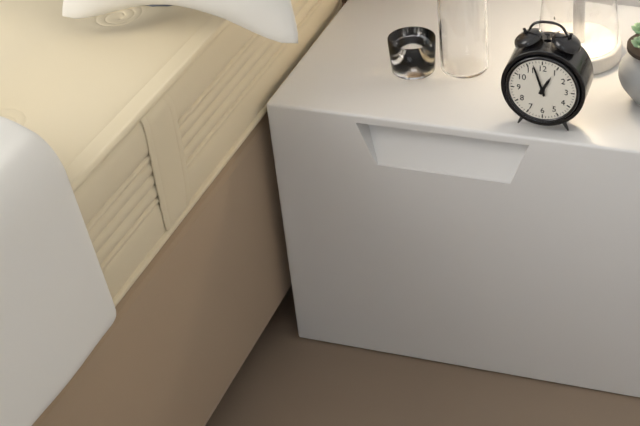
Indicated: 12,57
